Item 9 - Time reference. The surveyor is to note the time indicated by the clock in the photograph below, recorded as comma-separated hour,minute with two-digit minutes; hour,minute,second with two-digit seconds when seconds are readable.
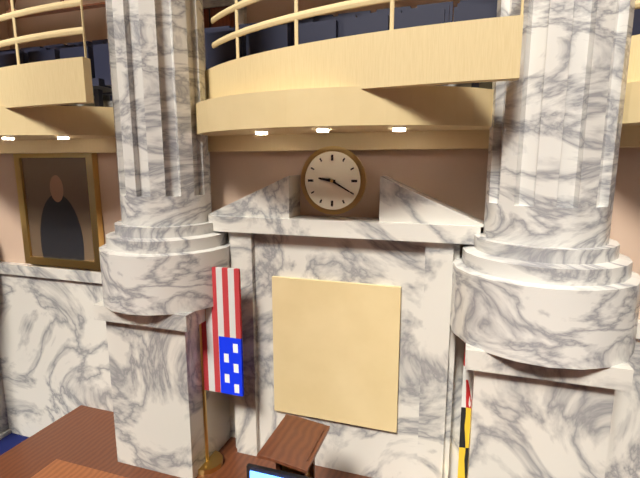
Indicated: 9,20
